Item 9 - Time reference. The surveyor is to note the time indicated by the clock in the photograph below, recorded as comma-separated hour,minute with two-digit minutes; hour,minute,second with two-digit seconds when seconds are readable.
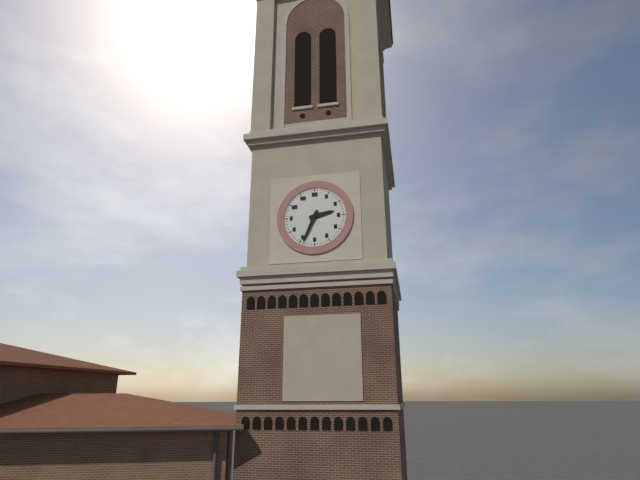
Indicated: 2,34
